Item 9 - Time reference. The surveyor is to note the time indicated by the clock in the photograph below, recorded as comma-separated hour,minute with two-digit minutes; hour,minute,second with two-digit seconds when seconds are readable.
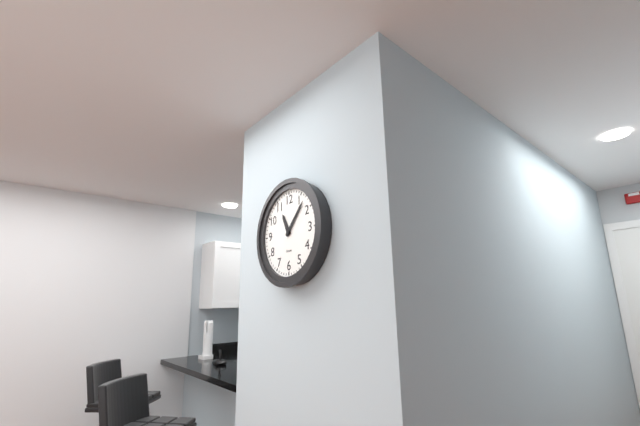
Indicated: 11,07
